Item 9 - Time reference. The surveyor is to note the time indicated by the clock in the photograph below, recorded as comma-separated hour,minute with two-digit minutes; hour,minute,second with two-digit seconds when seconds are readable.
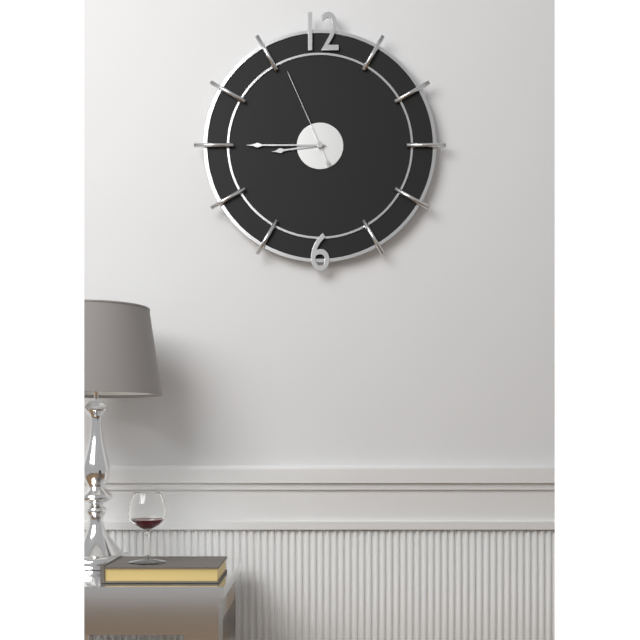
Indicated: 8,45,56
